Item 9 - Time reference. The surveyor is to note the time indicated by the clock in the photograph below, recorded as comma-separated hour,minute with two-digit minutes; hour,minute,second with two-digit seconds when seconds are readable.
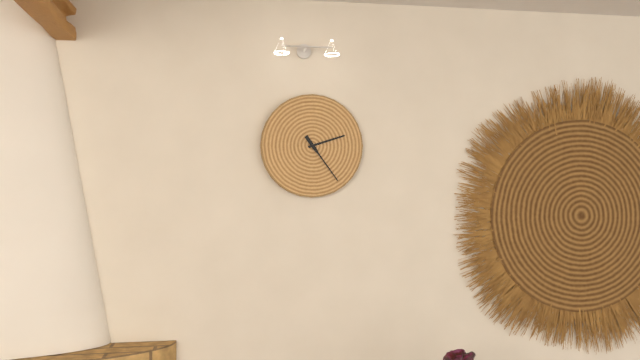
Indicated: 2,24
